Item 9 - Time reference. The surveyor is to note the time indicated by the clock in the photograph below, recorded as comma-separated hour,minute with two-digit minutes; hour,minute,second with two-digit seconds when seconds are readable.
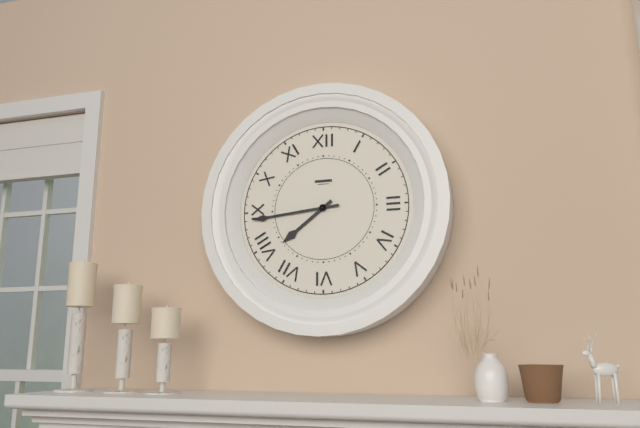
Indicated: 7,44
